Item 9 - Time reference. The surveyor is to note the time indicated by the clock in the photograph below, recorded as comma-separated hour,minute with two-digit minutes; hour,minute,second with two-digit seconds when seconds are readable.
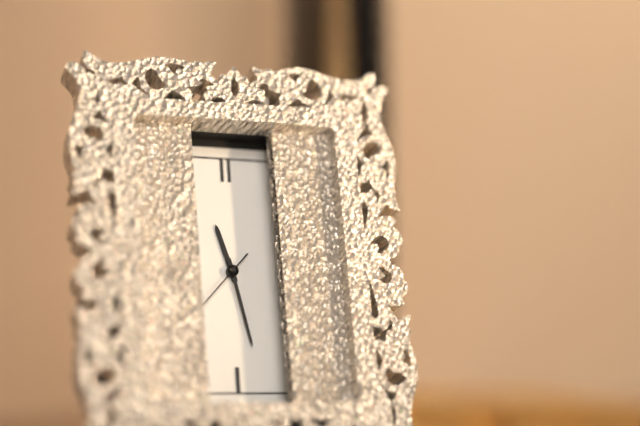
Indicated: 11,28,37
